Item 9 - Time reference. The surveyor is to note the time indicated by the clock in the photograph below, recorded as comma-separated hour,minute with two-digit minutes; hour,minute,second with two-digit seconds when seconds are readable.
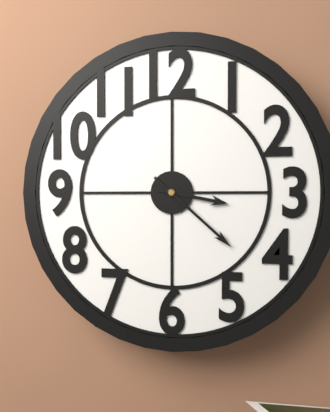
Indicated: 3,22
